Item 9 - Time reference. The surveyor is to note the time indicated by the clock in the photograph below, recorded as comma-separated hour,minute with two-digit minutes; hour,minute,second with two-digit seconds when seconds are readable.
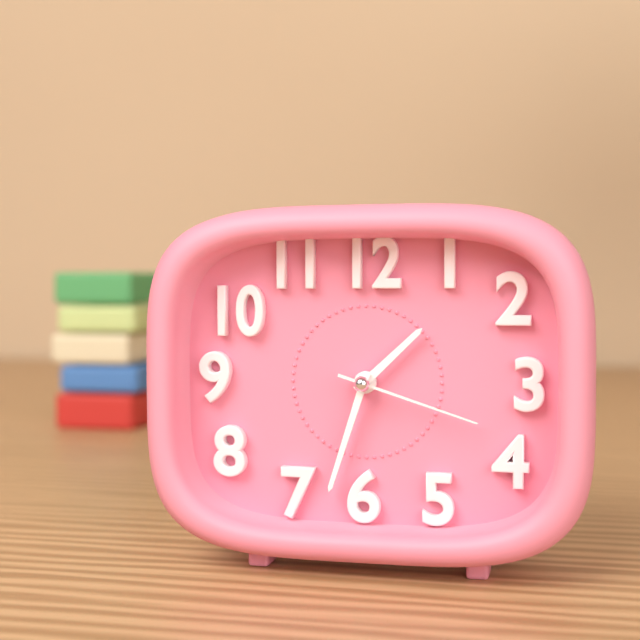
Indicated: 1,33,18
